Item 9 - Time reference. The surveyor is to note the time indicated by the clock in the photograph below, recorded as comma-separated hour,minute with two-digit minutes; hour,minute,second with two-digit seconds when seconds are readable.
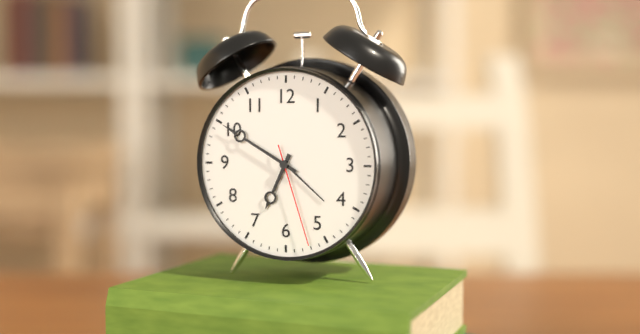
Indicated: 6,50,27
